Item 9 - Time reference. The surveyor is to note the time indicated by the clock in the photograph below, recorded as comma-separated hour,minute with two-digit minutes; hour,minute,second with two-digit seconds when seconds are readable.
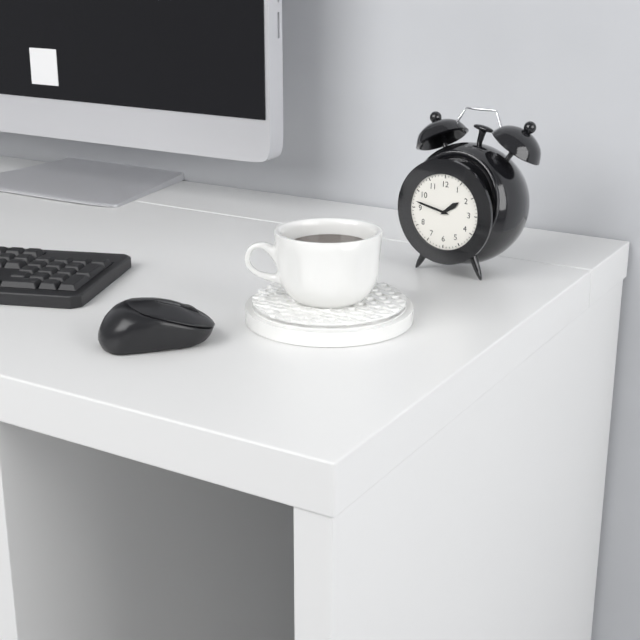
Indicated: 1,47
